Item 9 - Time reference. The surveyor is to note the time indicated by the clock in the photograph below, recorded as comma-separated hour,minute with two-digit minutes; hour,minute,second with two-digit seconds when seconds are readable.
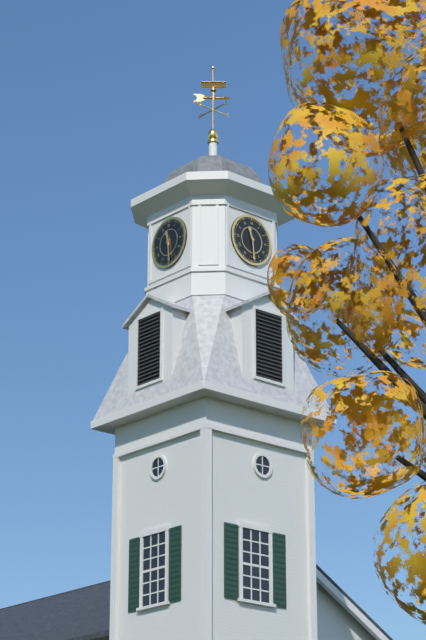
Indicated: 11,29
